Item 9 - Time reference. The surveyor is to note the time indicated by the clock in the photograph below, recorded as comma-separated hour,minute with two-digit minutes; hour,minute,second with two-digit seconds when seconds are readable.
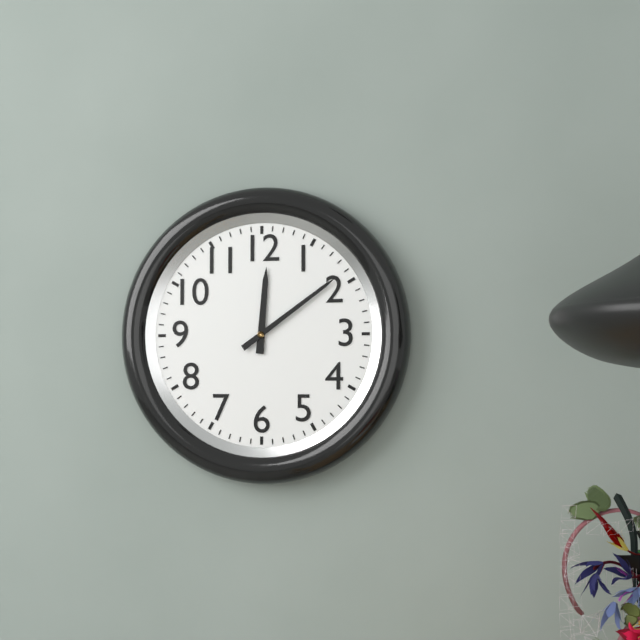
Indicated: 12,09
